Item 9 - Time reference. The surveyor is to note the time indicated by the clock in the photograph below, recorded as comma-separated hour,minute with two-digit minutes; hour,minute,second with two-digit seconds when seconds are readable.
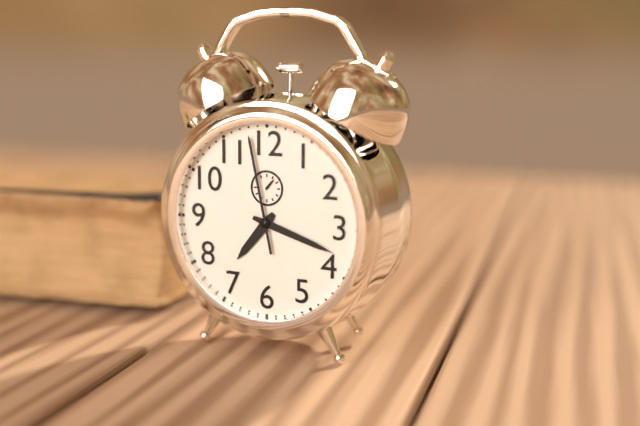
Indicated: 7,18,58
